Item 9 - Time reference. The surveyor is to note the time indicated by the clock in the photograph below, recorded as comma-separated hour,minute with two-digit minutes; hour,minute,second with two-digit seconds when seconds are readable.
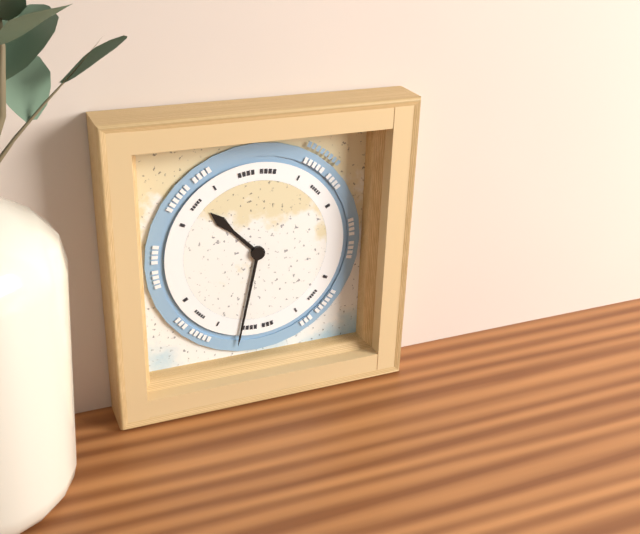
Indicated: 10,32
